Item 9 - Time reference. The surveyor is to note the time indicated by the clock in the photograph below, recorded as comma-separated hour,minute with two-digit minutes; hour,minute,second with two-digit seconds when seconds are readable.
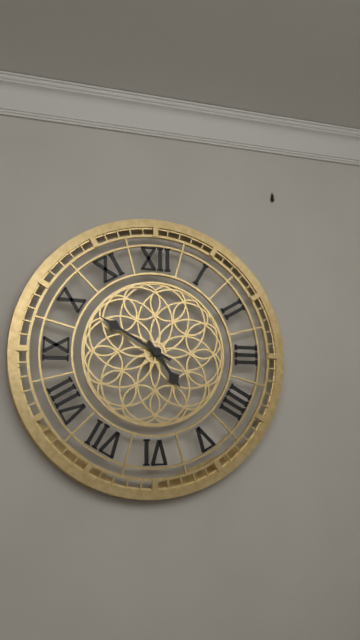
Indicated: 4,50
